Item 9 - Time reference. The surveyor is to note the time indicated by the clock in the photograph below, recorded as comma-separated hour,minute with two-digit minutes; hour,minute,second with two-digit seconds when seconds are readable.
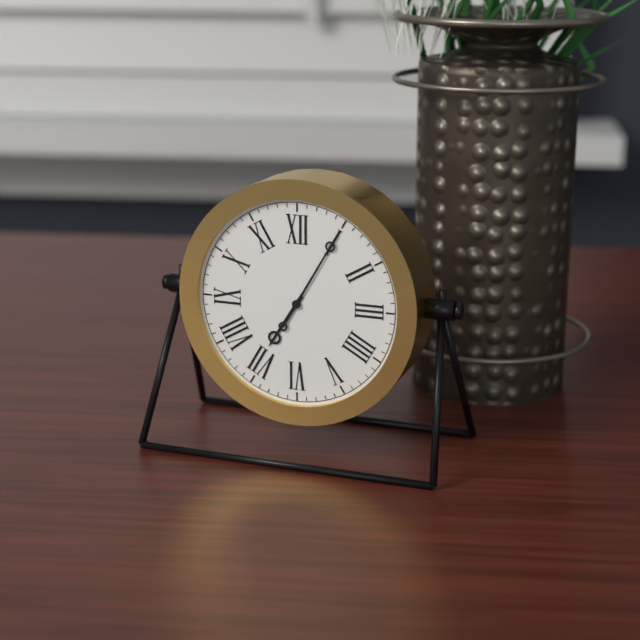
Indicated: 7,05
